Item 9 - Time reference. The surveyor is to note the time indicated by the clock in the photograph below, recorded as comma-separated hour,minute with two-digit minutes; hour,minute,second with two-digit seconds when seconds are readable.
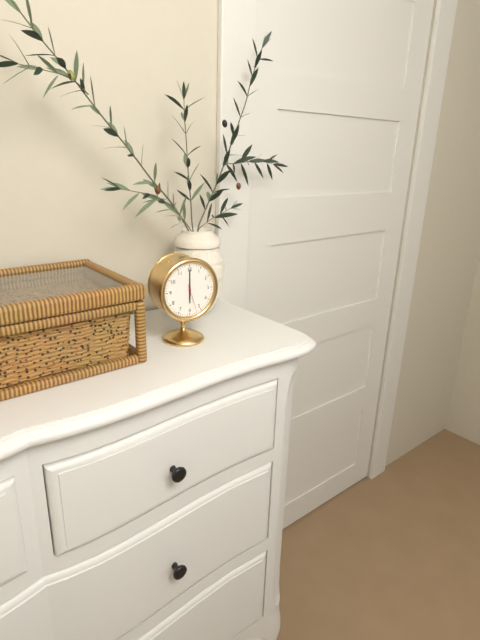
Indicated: 6,00
